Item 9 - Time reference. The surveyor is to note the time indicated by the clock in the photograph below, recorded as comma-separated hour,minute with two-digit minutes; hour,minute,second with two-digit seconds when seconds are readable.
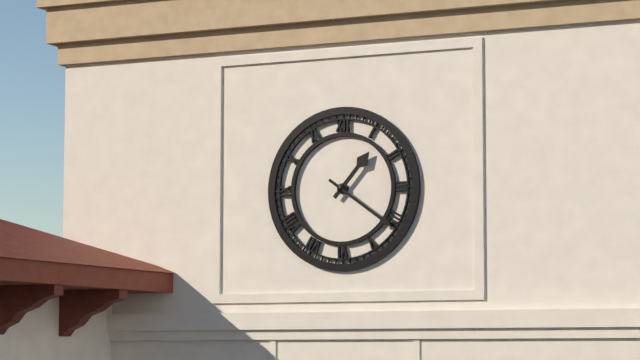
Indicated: 1,21
